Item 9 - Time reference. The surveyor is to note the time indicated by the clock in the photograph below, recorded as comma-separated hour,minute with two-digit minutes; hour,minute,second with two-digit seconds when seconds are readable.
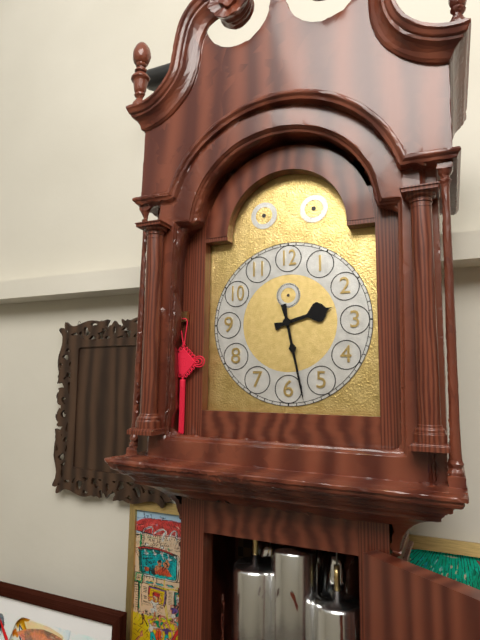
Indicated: 2,28
